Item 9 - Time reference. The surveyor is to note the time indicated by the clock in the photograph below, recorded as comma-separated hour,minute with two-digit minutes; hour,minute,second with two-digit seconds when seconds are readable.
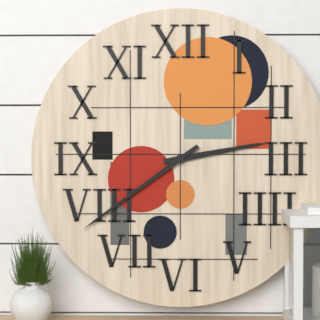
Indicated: 2,39
